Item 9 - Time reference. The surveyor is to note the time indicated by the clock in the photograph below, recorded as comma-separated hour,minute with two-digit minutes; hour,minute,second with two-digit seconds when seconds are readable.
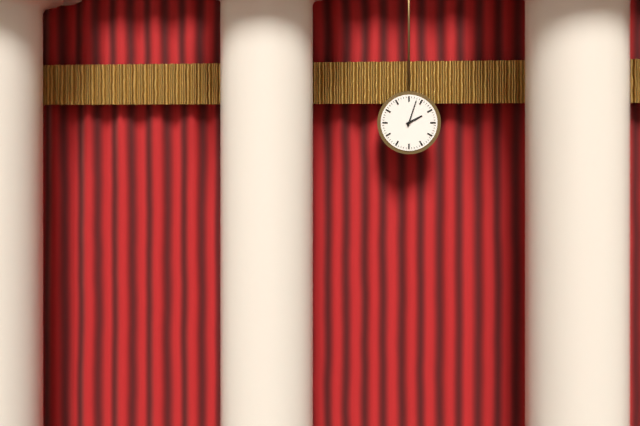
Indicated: 2,03
